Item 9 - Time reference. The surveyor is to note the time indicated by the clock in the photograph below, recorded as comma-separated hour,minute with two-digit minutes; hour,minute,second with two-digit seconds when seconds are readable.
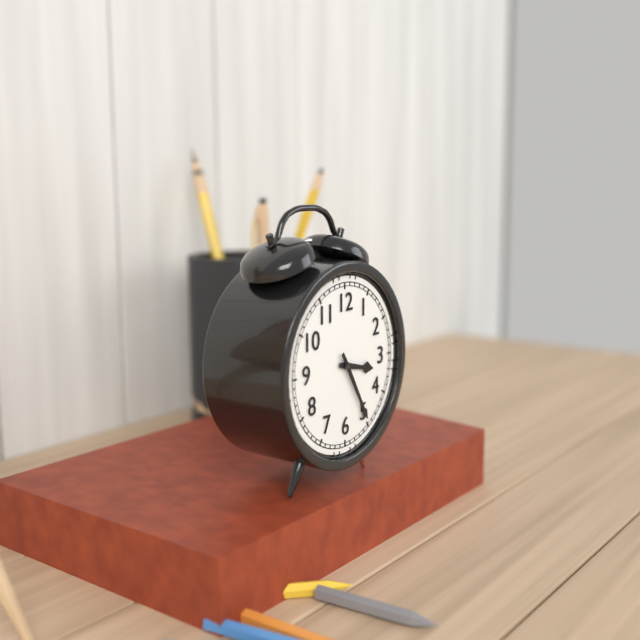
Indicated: 3,25
